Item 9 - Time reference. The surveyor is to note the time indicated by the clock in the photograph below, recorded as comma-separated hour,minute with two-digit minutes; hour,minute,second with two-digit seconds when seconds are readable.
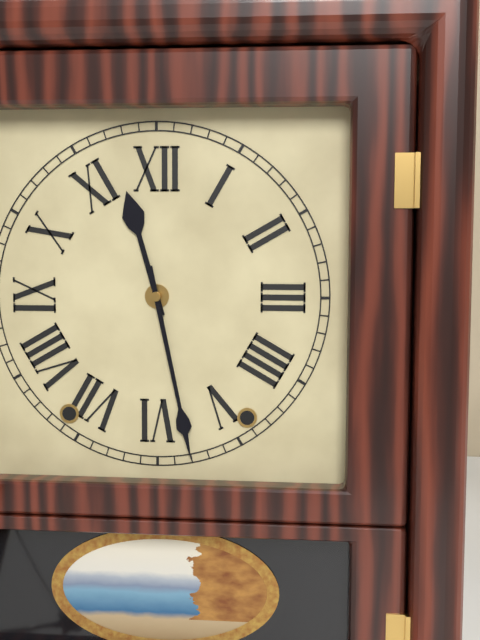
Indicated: 11,28
